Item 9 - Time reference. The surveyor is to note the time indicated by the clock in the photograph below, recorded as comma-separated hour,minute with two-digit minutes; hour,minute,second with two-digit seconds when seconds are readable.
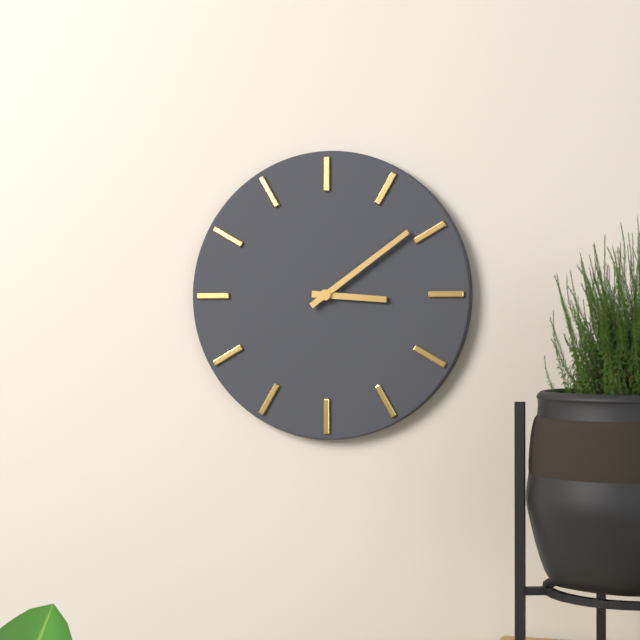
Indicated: 3,09
